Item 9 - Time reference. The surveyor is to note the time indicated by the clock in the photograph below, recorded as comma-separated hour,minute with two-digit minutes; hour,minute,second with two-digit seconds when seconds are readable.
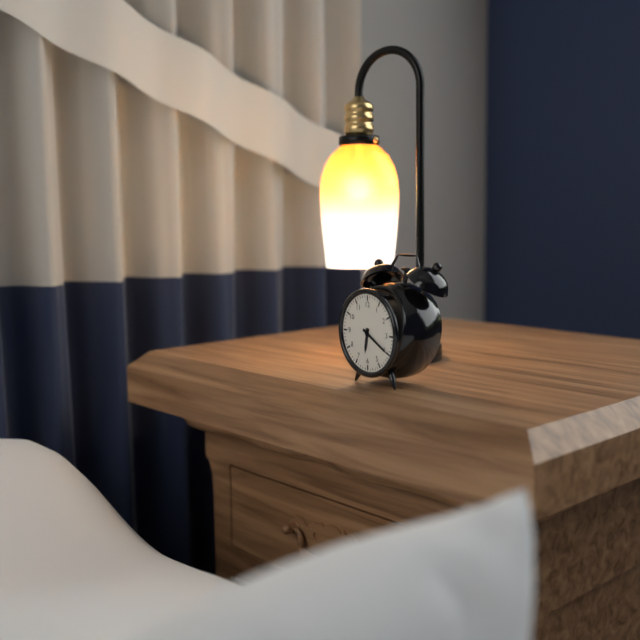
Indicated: 6,20
